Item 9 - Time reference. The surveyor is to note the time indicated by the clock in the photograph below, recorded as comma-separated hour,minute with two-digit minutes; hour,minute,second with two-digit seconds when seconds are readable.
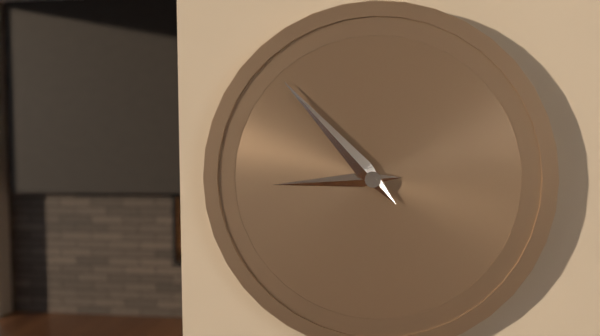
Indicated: 8,53
